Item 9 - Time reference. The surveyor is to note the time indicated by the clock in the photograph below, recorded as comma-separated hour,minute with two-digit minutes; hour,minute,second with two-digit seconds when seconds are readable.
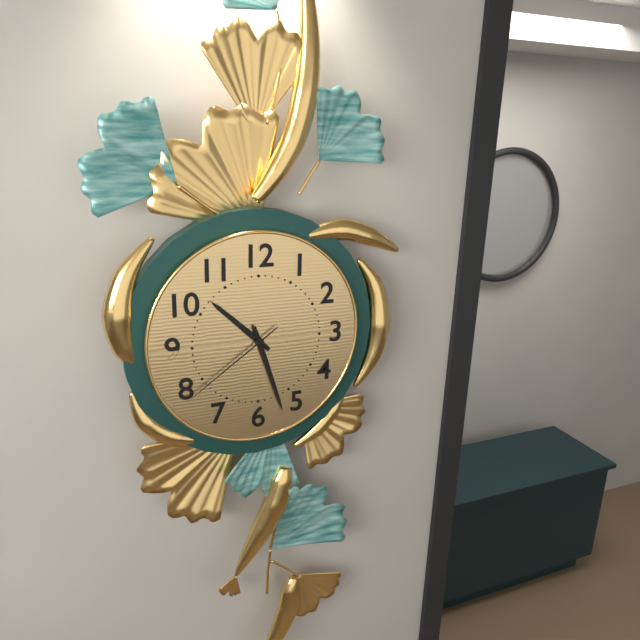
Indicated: 10,27,39
